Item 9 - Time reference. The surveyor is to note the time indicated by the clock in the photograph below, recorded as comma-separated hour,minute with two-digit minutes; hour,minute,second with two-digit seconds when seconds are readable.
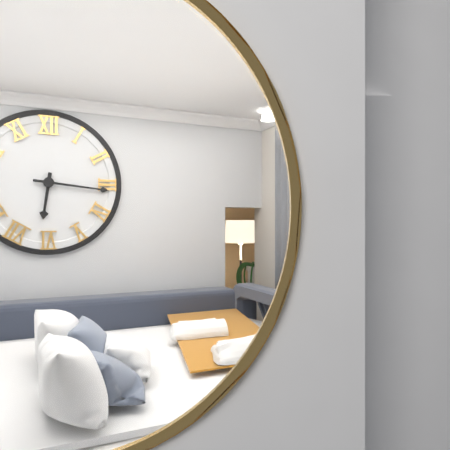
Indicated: 6,16
